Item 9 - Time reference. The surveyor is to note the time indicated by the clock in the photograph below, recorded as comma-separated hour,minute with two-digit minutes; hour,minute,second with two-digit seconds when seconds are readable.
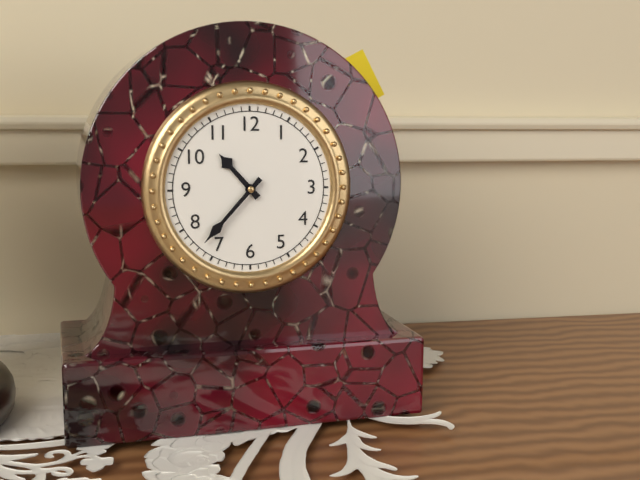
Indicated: 10,37
